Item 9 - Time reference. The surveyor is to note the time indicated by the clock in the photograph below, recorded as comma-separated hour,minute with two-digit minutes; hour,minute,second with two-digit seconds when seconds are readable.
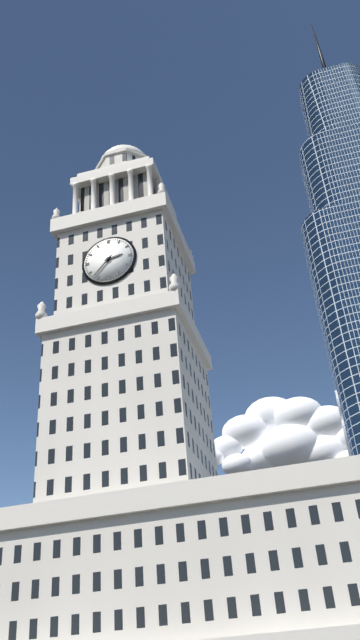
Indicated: 2,37
